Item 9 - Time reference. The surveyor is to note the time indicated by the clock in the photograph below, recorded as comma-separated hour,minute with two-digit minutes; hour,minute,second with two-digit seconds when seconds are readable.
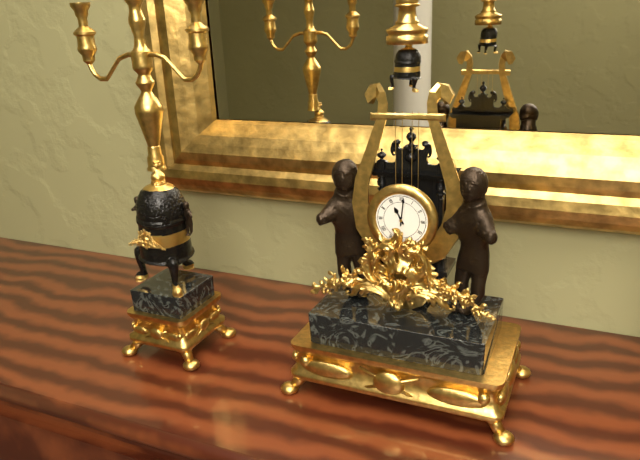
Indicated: 11,01
